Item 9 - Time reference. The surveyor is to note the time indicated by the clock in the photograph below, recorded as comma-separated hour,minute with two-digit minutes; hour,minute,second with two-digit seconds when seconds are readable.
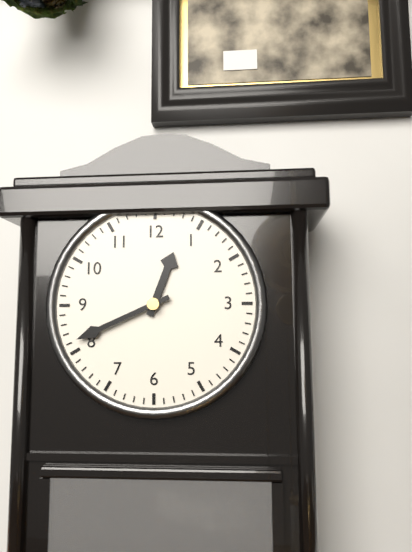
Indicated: 12,41
